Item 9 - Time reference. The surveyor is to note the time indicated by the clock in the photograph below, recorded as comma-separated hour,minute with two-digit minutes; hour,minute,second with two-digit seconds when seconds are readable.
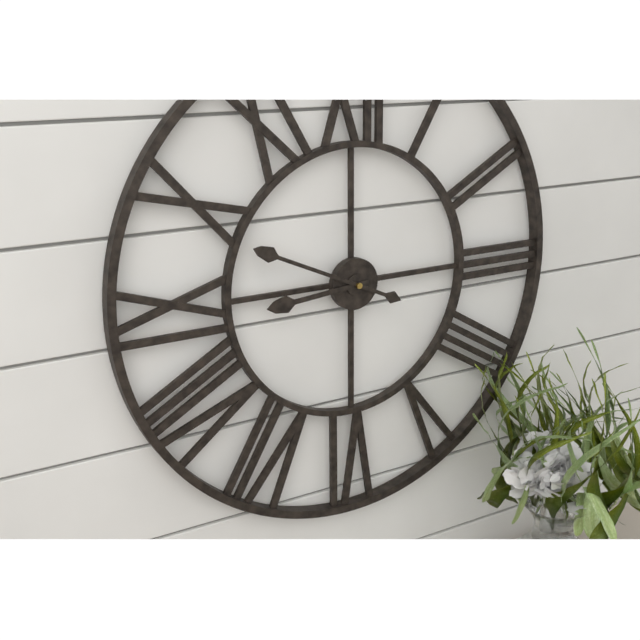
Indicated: 8,49
